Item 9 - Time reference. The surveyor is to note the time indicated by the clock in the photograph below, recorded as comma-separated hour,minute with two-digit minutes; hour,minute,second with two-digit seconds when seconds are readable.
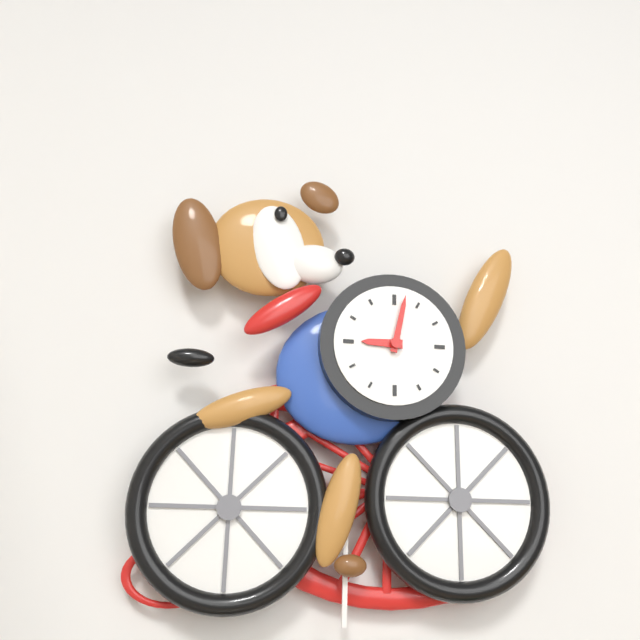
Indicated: 9,02
